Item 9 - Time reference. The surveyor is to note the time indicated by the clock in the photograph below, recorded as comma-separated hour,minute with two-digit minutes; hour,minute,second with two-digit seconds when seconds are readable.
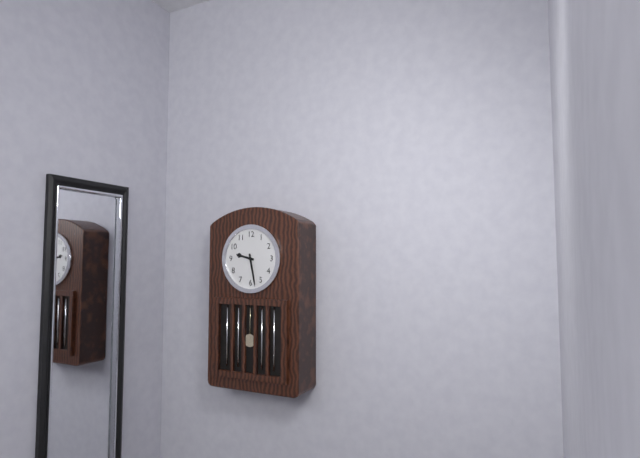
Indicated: 9,28
